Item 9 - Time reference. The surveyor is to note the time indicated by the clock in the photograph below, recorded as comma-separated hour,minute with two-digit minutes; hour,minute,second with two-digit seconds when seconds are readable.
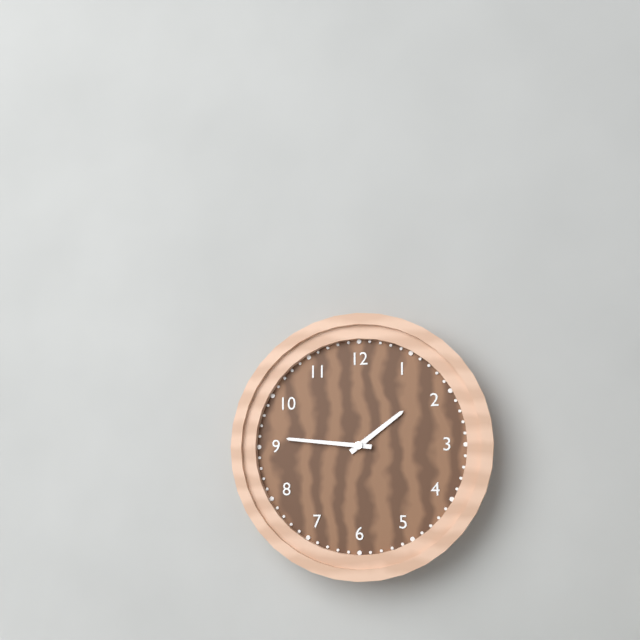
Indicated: 1,46
